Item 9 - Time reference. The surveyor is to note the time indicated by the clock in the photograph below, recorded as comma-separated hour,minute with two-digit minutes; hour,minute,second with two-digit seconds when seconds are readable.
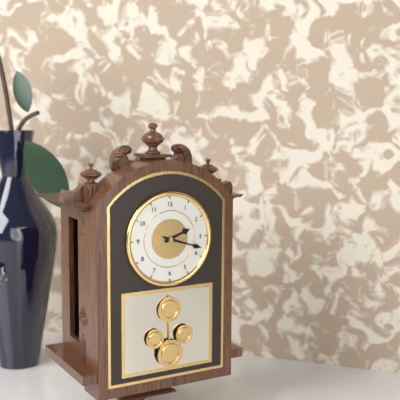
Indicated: 2,18
